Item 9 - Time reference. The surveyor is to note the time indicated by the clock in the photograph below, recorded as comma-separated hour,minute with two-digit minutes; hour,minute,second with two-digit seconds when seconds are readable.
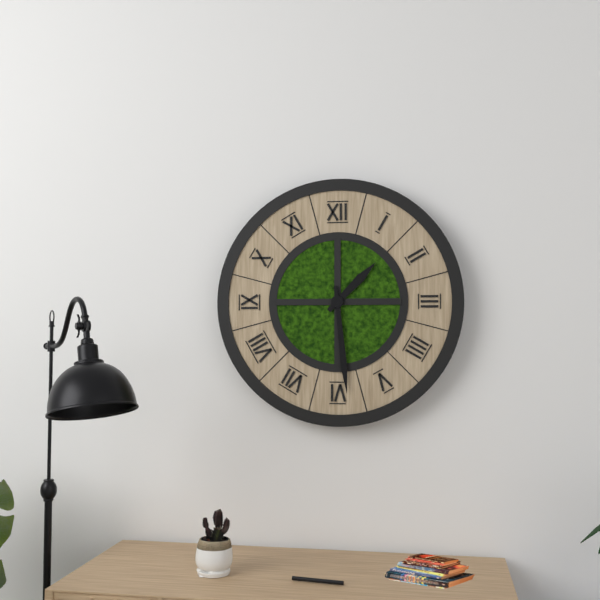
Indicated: 1,29
